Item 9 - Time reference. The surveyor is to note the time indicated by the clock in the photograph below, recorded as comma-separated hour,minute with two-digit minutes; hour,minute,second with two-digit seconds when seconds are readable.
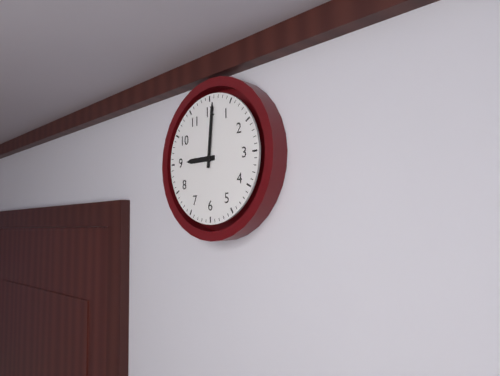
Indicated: 9,01
